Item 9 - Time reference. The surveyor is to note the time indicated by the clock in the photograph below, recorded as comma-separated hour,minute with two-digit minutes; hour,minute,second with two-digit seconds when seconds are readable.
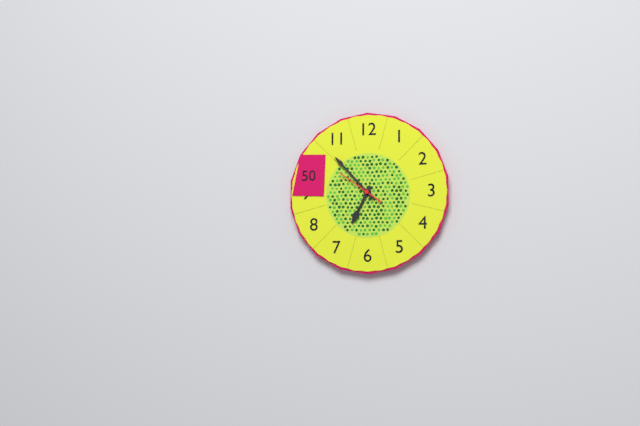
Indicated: 6,53
